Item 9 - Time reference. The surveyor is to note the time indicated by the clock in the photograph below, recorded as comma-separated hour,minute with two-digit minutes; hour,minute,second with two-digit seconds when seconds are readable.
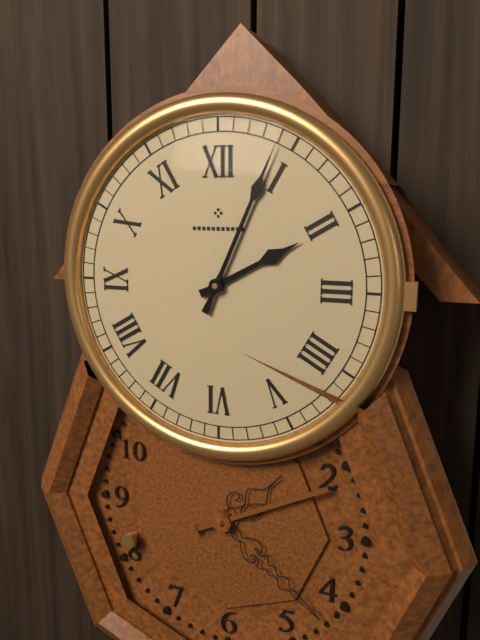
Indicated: 2,04
